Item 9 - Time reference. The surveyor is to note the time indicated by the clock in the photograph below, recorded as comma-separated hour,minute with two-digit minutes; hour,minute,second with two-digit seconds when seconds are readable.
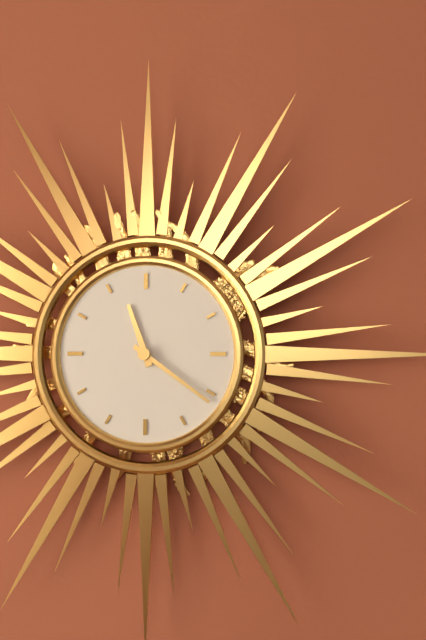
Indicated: 11,21
